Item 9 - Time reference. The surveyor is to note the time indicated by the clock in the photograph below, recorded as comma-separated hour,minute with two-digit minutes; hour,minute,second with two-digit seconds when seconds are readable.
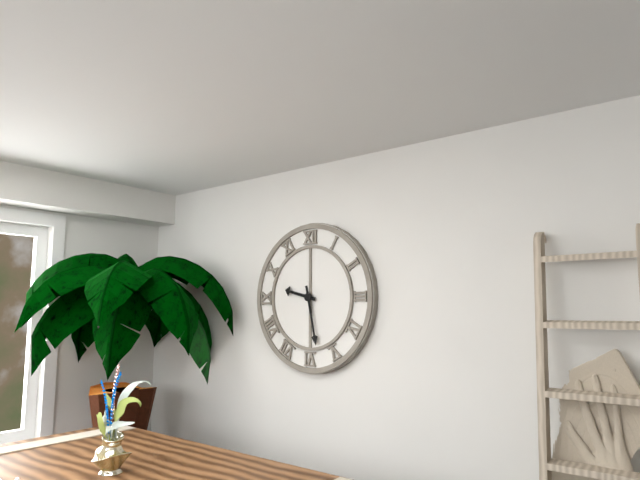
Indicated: 9,28
